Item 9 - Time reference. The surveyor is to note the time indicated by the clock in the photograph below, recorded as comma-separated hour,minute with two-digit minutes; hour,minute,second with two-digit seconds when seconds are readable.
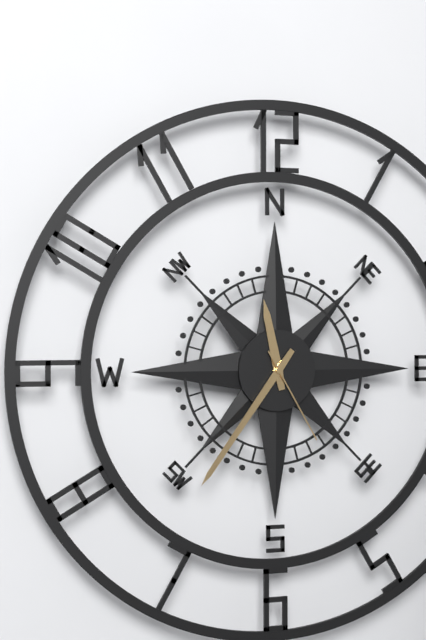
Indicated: 11,36,25
